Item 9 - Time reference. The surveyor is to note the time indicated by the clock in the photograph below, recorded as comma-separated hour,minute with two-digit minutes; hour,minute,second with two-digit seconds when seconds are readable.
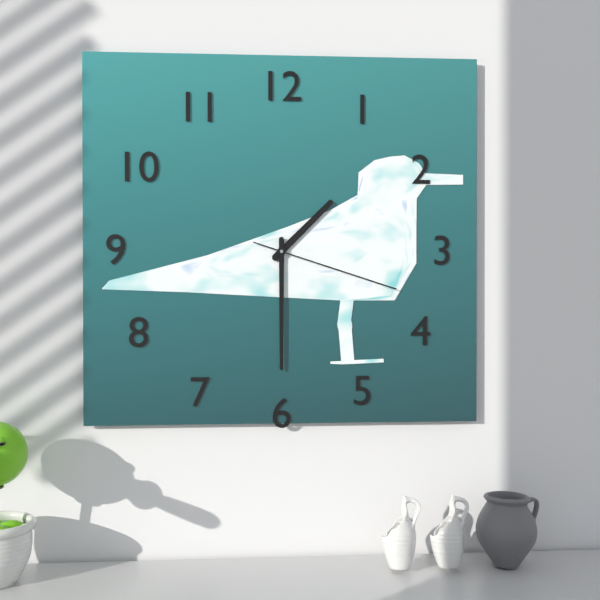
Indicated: 1,30,18
